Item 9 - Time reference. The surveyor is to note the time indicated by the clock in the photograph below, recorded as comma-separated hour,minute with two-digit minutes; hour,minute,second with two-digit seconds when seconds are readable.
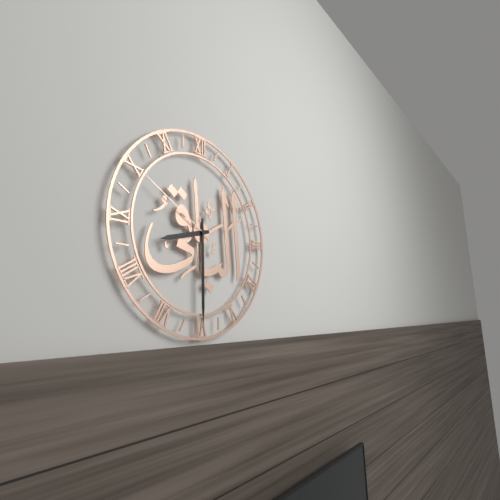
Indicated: 8,30,50
